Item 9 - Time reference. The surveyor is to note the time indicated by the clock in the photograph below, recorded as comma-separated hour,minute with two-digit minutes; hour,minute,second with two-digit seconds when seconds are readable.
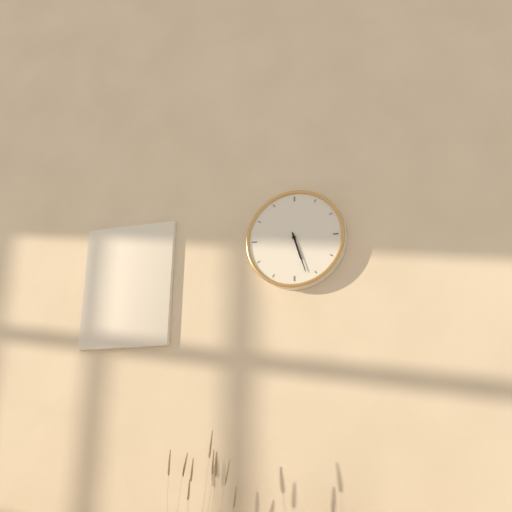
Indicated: 5,27
